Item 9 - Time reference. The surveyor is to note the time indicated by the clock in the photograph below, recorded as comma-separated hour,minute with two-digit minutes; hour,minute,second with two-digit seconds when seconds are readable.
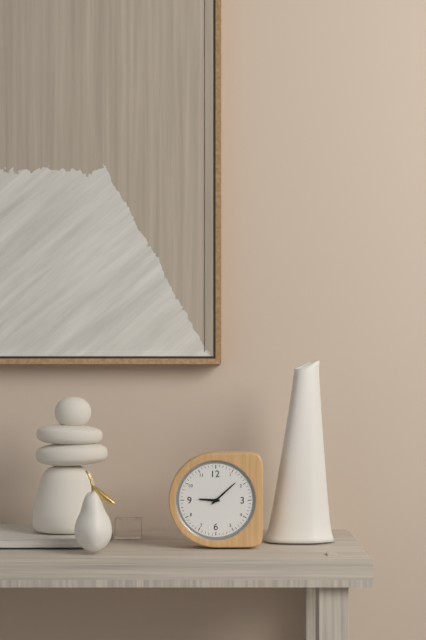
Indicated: 9,08
